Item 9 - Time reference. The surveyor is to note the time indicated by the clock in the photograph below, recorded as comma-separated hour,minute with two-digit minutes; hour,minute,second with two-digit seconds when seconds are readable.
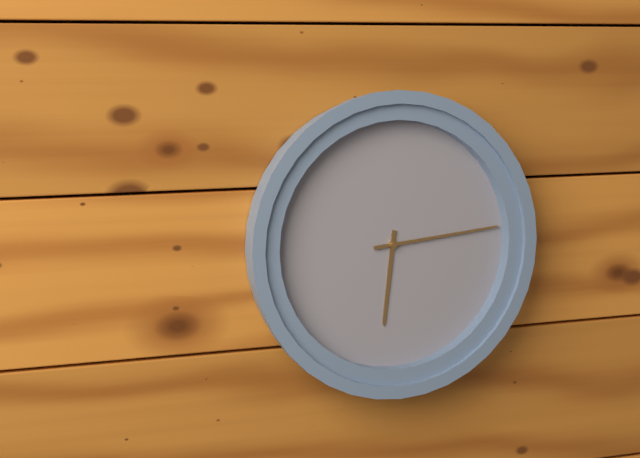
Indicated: 6,14
